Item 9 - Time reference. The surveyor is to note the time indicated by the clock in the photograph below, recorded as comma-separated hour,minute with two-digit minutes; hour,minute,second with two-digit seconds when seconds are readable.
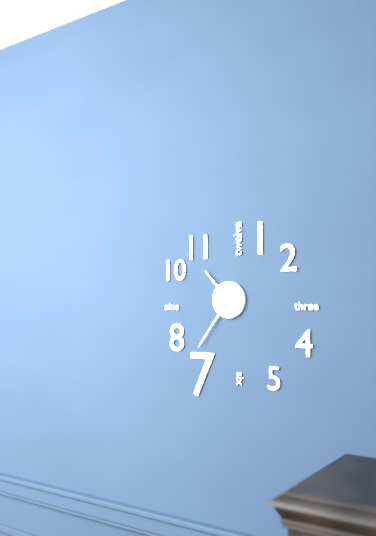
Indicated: 10,36
